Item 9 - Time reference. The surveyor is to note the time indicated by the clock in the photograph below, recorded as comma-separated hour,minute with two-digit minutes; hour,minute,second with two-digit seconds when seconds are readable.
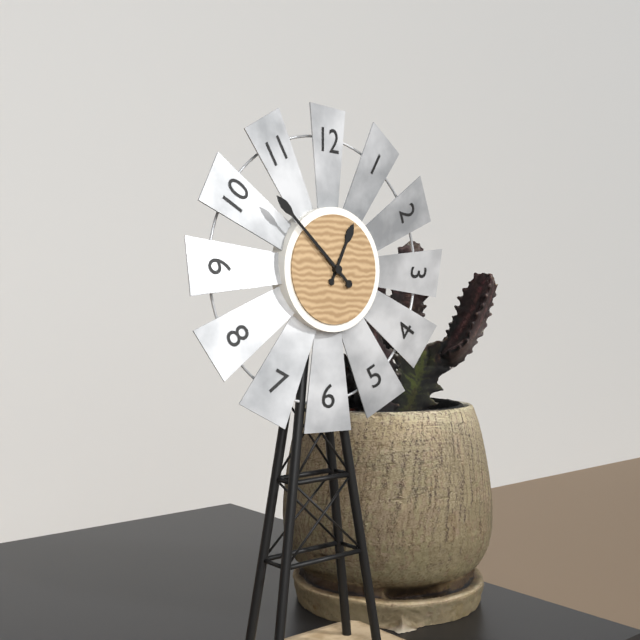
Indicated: 12,52
